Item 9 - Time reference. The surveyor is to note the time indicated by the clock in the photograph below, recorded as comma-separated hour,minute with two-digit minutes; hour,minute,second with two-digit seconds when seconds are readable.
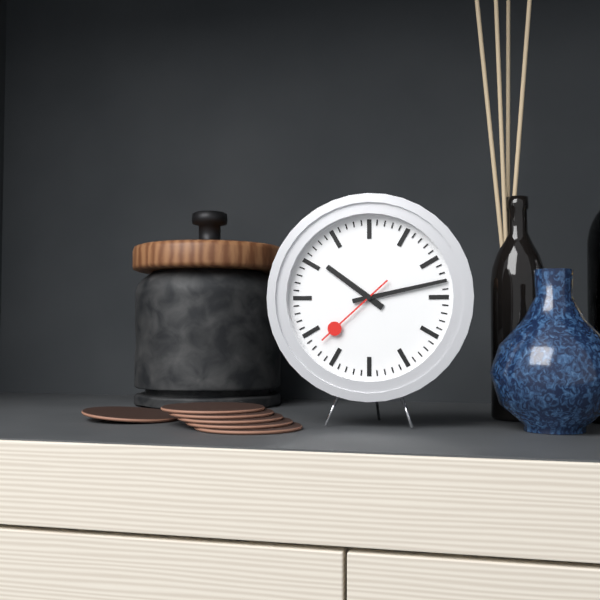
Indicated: 10,13,38
